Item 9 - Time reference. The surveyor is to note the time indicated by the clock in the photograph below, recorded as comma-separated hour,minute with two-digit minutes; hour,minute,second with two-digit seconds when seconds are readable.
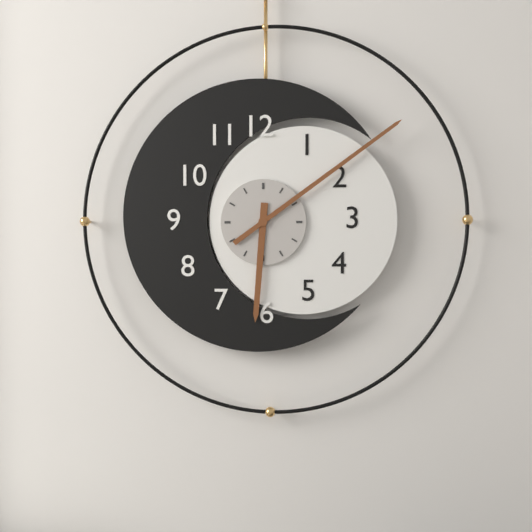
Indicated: 6,09
